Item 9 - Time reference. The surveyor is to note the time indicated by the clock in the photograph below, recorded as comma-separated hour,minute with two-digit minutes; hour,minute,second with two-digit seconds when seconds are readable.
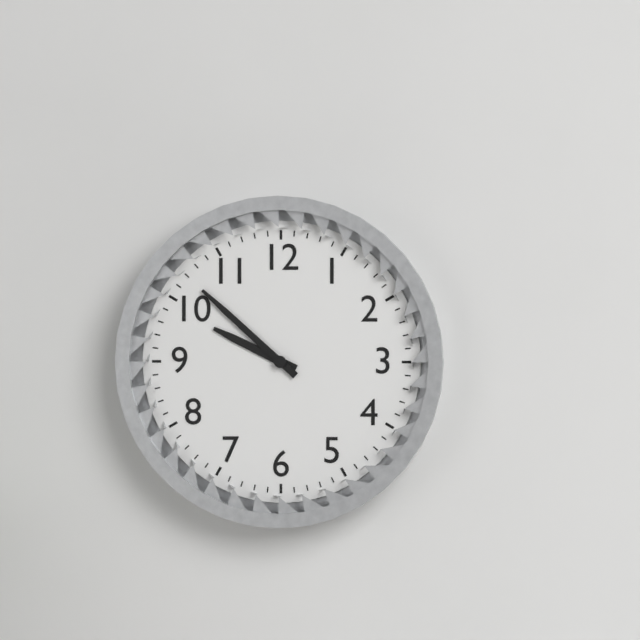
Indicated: 9,52
